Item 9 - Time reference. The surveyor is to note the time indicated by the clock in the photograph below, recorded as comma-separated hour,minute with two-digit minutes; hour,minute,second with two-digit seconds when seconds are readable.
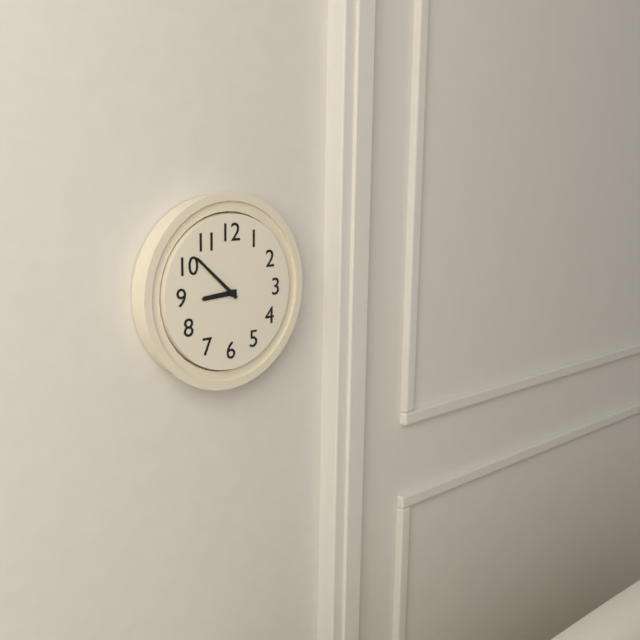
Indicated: 8,52
